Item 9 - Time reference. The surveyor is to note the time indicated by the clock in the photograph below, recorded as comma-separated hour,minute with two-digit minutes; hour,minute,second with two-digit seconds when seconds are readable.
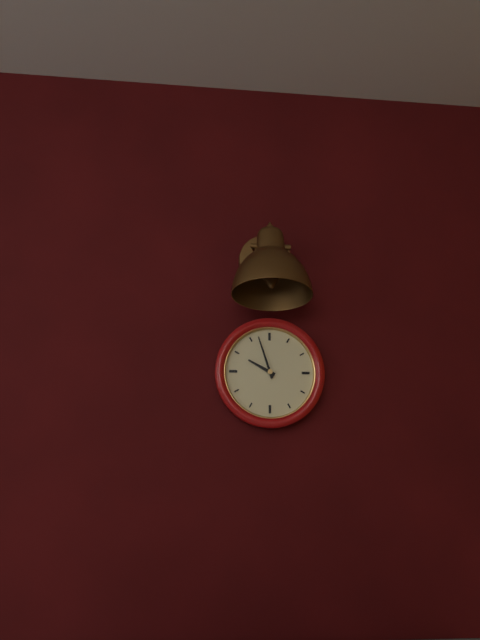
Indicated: 9,57
